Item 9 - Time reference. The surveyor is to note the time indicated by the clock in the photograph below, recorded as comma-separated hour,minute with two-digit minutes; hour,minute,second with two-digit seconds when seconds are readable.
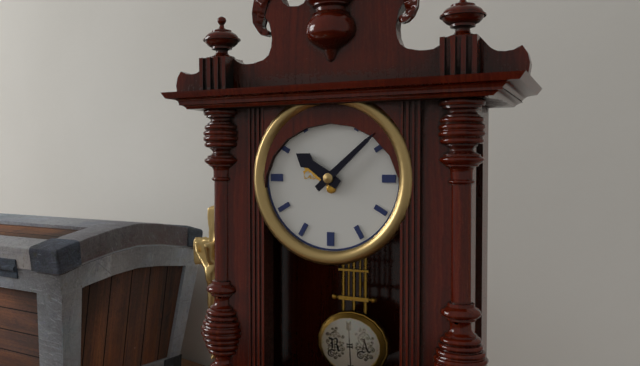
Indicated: 10,08
